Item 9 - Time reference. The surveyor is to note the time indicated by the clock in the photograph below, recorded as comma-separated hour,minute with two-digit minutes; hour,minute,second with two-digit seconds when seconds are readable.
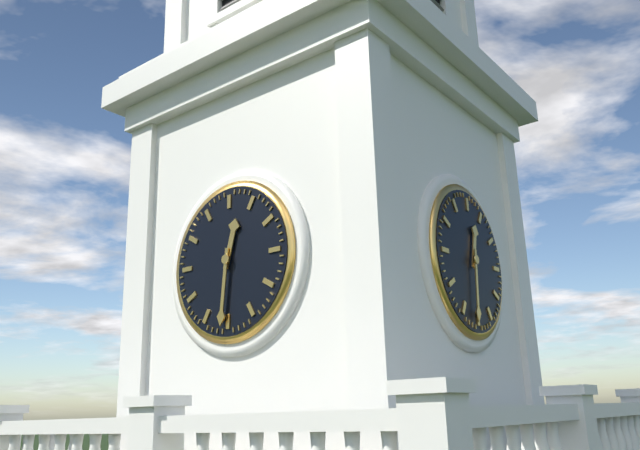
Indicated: 12,31
